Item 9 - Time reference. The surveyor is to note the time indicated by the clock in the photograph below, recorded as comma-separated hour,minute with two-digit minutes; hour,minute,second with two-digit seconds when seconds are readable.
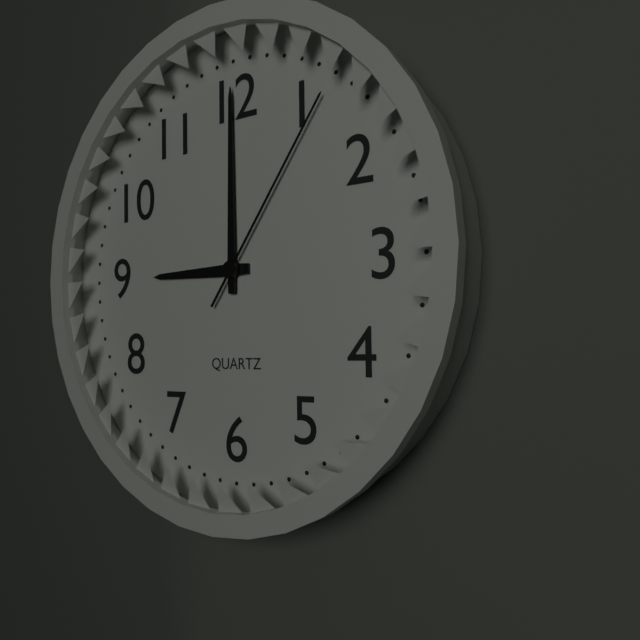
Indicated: 9,00,06
